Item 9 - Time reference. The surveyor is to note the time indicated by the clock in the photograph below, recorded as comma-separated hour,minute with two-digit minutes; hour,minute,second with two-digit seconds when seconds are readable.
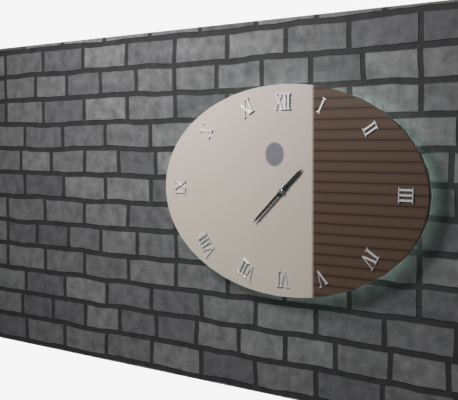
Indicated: 1,38
